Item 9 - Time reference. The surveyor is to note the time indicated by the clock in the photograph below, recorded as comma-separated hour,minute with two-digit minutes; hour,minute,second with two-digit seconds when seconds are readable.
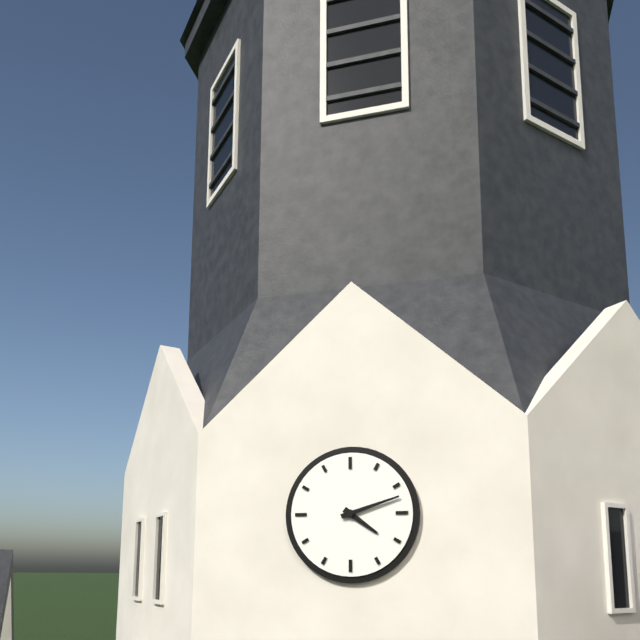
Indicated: 4,12
